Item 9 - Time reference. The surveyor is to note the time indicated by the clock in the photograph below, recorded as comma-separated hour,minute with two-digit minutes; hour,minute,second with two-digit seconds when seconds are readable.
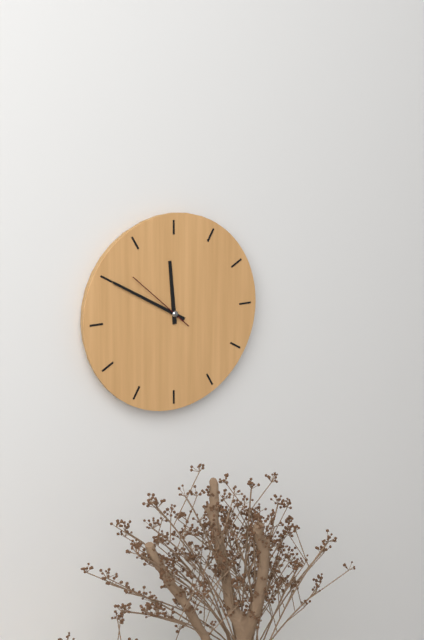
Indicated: 11,50,52
